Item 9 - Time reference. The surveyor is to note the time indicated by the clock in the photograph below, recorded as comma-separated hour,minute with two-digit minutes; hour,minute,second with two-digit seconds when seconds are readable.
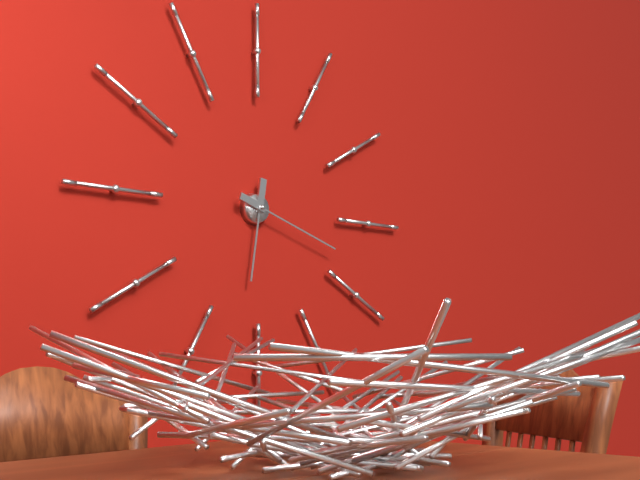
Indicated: 6,18
